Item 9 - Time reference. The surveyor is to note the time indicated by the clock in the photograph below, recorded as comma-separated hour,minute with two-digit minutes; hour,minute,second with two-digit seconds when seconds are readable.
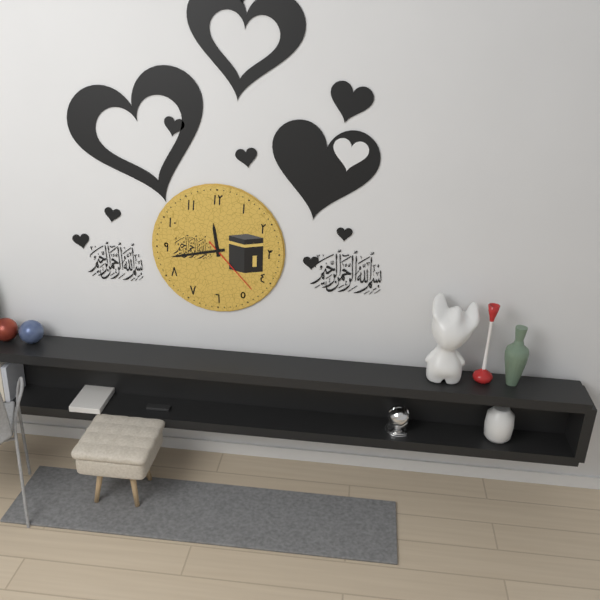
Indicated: 11,43,23
